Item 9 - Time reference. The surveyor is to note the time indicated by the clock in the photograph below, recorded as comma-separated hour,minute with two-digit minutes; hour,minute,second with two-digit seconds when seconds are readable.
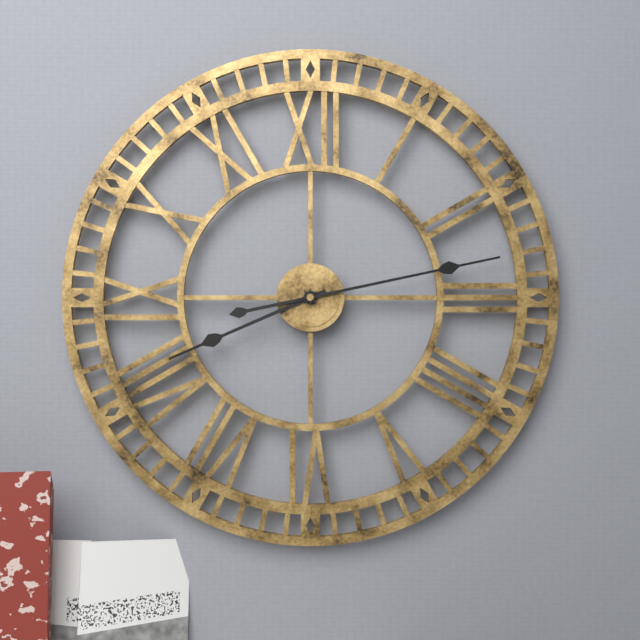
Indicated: 8,13
